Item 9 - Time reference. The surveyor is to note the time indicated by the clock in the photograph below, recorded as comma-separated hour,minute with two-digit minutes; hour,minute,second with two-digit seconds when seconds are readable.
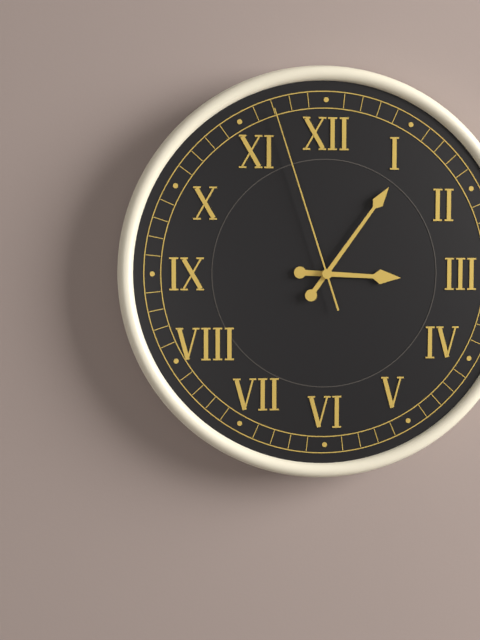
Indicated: 3,06,57
